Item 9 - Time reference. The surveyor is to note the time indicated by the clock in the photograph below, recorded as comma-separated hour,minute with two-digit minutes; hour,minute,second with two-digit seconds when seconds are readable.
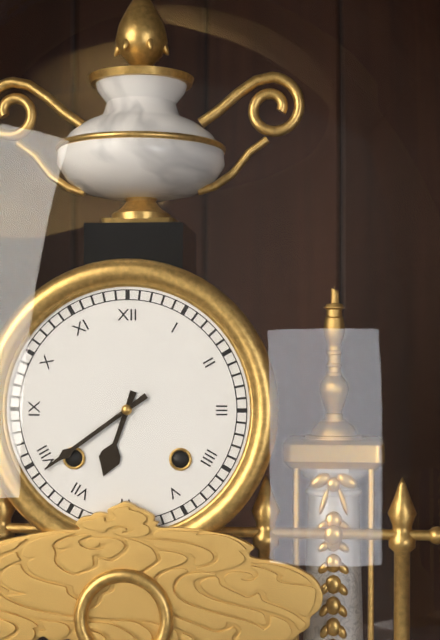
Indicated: 6,39
